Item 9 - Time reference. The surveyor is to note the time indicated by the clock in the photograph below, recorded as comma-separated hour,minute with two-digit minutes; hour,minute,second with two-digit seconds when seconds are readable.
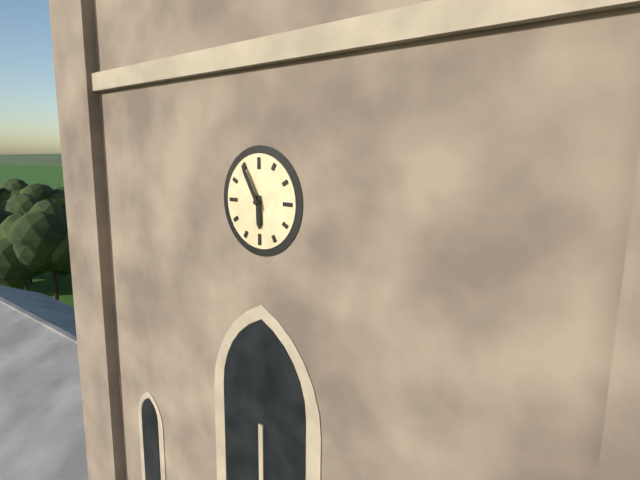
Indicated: 5,55
